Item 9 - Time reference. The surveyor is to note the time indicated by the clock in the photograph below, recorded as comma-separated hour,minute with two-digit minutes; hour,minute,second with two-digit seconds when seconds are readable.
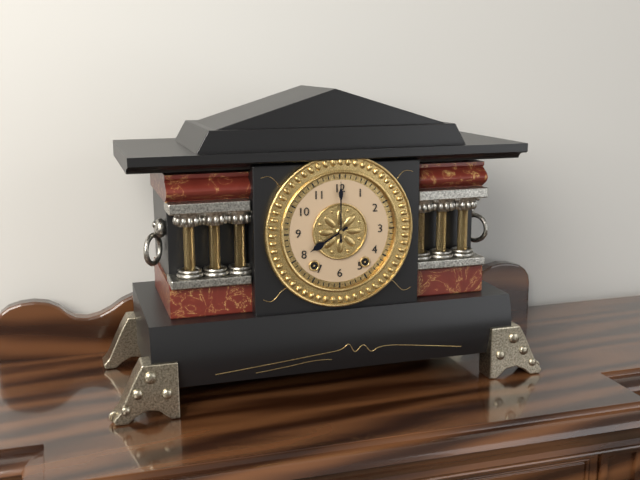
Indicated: 8,00
